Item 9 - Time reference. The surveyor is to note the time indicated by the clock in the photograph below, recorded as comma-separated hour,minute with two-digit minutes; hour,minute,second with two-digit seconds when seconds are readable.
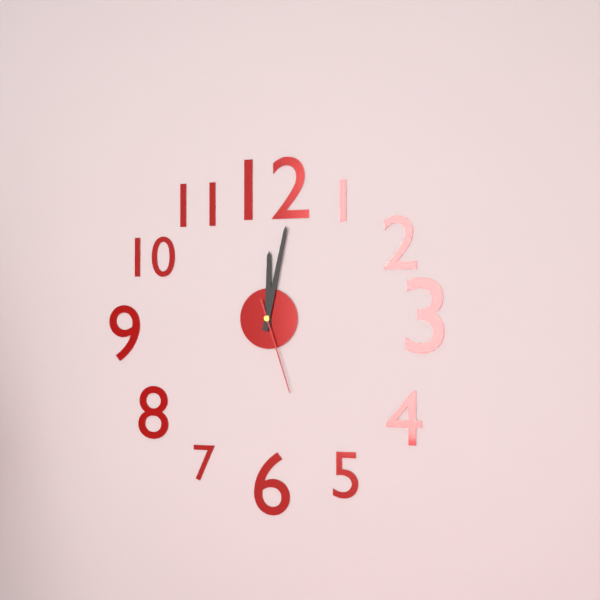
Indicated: 12,02,27
